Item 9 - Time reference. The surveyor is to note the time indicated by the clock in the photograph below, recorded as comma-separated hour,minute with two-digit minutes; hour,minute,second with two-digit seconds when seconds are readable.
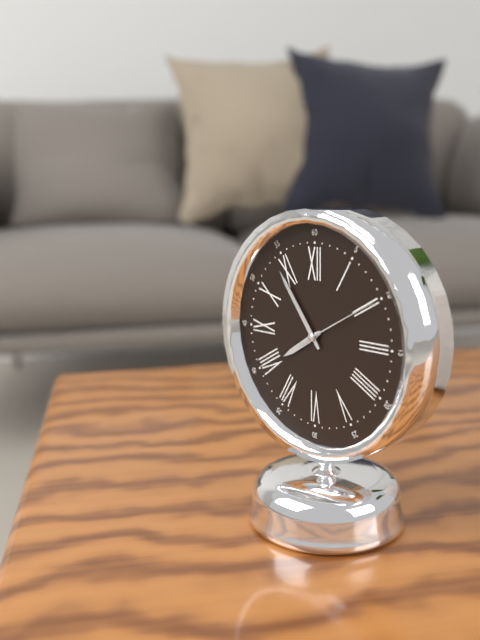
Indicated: 7,54,10
